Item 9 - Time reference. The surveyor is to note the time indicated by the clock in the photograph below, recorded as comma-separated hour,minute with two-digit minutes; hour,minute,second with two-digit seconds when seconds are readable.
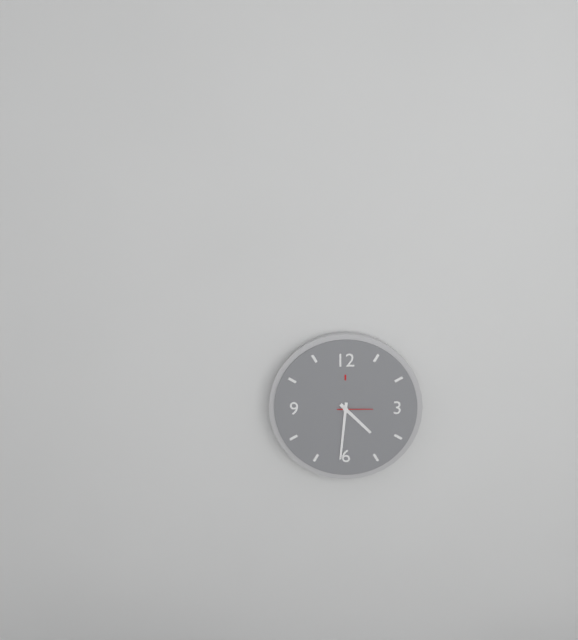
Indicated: 4,31
